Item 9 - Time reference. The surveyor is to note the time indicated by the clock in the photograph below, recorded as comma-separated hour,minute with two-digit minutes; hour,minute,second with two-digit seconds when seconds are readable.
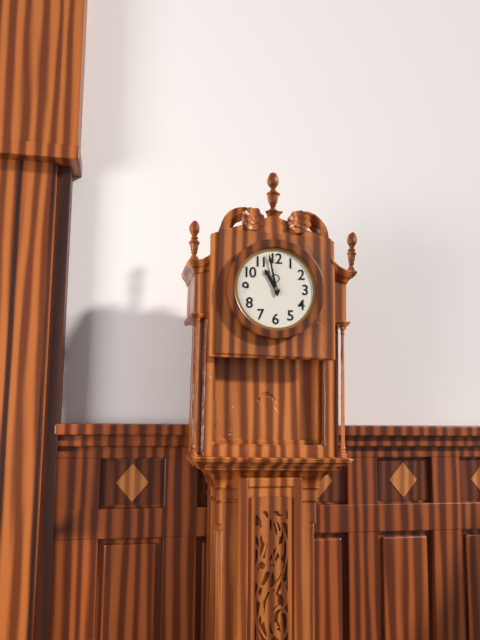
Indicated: 10,58
